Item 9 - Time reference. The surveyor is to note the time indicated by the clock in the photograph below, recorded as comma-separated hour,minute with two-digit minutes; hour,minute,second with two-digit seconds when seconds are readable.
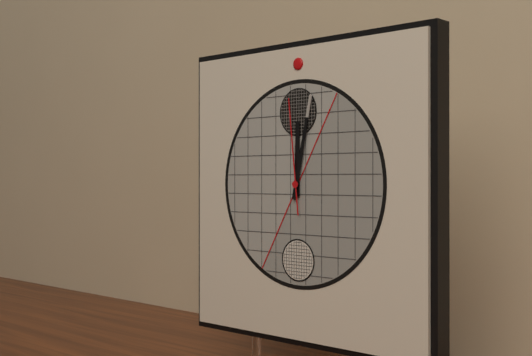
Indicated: 12,02,59
